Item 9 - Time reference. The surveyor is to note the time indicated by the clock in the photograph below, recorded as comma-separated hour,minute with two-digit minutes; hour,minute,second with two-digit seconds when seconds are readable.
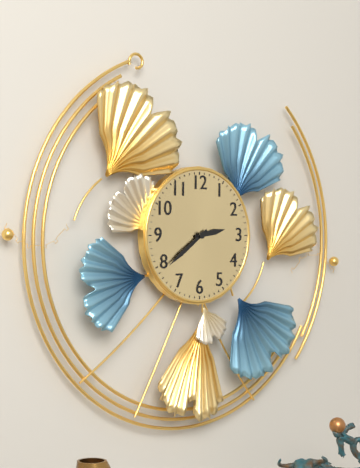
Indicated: 2,39
